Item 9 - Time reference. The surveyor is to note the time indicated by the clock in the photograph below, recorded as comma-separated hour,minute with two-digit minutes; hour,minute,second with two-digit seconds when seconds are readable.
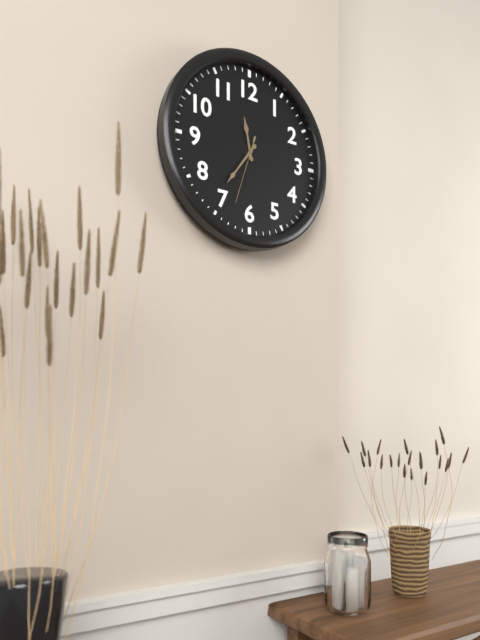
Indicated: 11,36,33
